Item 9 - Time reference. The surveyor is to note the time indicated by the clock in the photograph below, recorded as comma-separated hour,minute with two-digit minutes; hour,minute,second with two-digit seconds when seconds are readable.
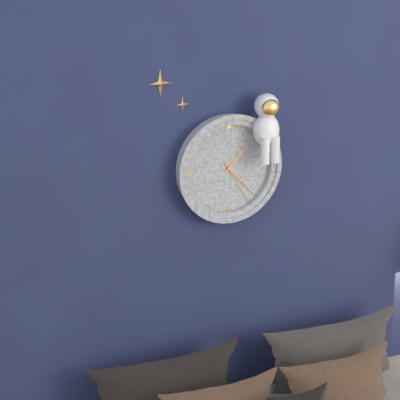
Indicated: 1,23,25
